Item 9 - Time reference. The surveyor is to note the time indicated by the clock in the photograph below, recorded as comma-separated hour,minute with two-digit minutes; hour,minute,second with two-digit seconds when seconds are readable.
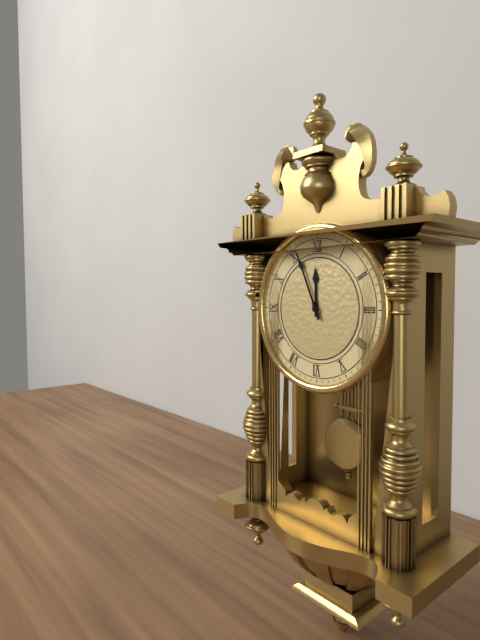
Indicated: 11,56
